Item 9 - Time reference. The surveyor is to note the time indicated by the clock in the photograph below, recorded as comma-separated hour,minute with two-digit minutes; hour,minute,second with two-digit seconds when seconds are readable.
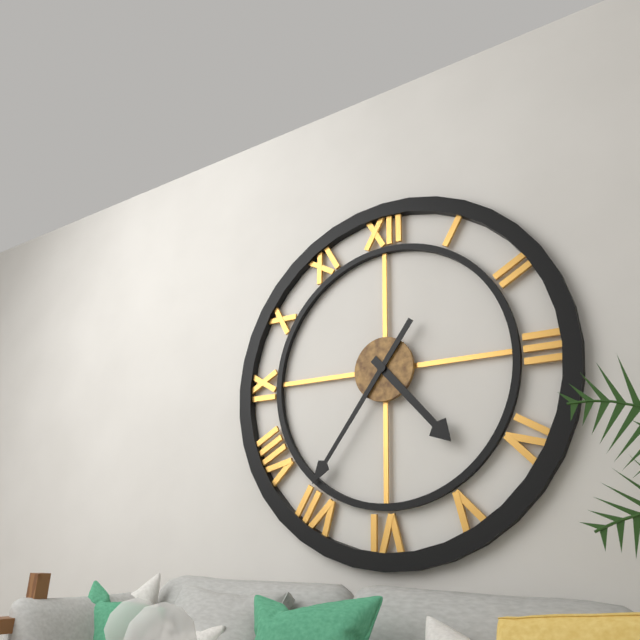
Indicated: 4,36
